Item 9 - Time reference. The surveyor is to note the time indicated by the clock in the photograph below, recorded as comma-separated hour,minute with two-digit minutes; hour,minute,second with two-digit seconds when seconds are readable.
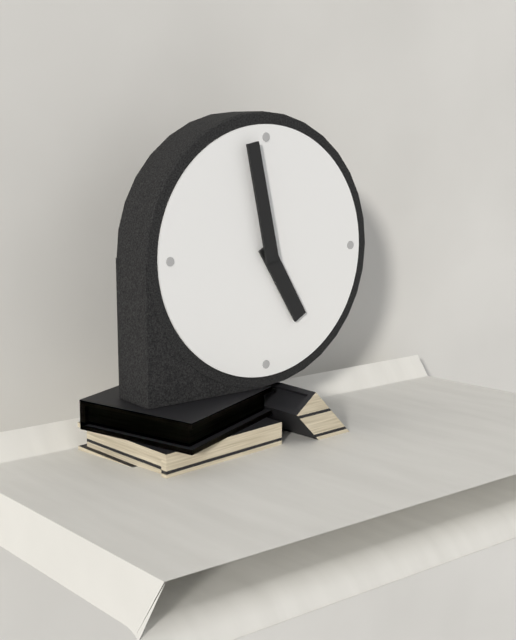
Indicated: 4,58
